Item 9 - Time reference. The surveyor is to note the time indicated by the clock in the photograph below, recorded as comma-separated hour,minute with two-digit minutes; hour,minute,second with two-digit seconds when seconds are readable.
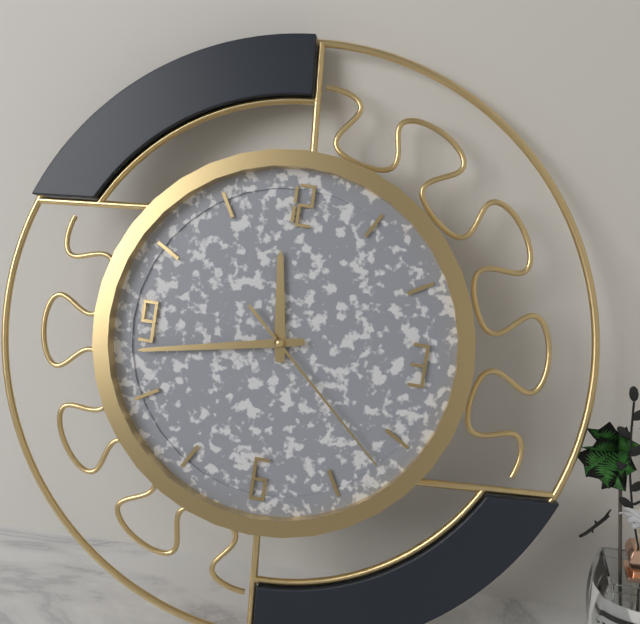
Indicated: 11,43,22
